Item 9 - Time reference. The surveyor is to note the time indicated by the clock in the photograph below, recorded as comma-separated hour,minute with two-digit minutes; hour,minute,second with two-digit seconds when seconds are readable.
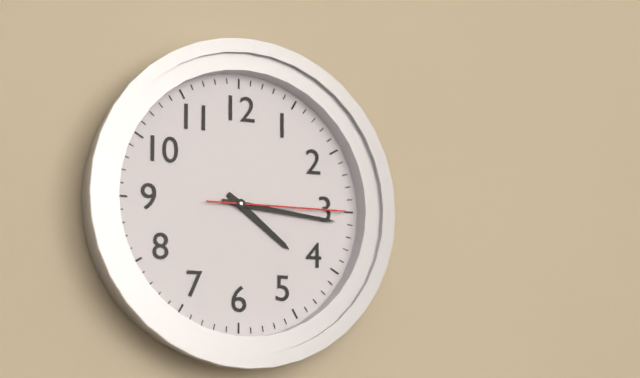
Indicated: 4,16,15
